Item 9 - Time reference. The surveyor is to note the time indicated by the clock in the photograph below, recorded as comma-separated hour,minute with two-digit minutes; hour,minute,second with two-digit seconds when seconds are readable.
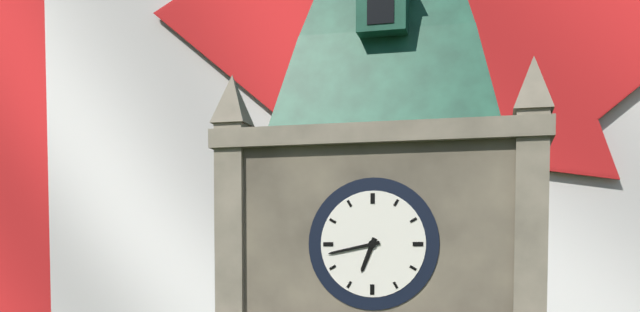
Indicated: 6,43
